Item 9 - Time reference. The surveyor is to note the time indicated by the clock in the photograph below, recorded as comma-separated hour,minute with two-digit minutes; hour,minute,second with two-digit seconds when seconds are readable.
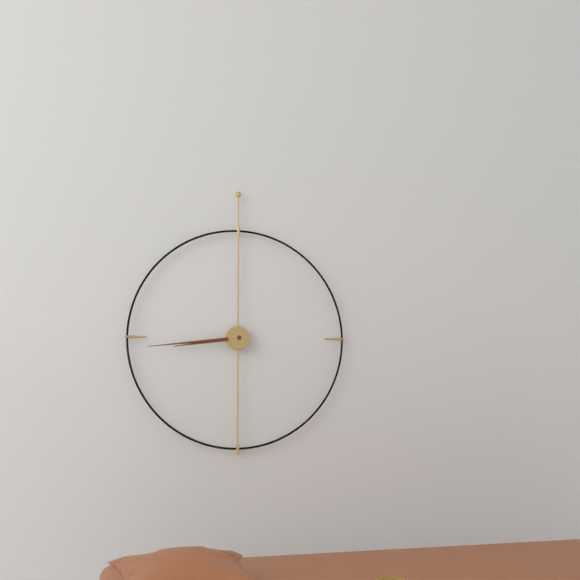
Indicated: 8,44
